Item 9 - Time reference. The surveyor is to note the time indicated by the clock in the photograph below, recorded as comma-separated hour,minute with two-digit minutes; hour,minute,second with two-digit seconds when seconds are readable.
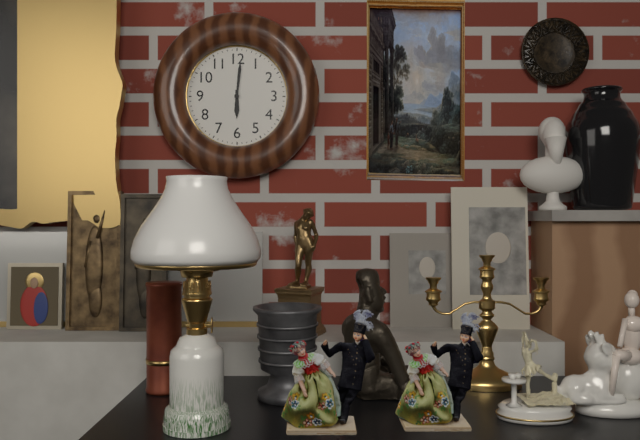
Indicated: 6,01
